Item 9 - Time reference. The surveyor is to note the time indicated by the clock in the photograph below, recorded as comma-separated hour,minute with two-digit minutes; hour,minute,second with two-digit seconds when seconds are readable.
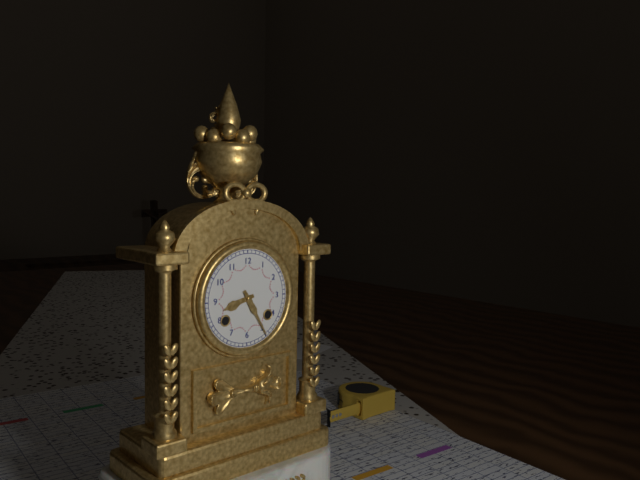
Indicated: 8,25
